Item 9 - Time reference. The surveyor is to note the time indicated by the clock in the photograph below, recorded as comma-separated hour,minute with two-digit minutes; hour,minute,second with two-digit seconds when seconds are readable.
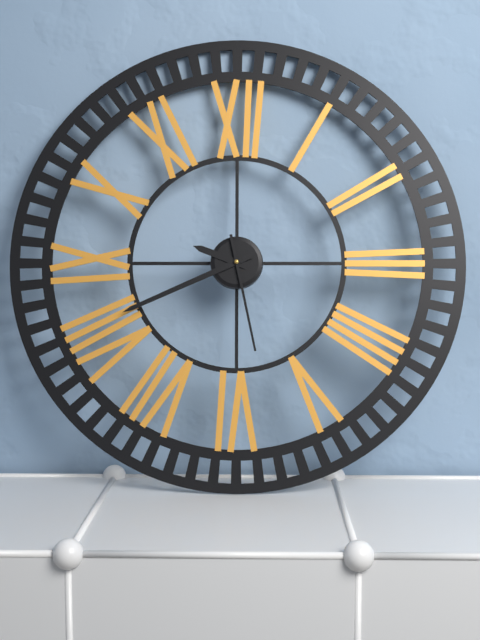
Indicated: 9,41,28
